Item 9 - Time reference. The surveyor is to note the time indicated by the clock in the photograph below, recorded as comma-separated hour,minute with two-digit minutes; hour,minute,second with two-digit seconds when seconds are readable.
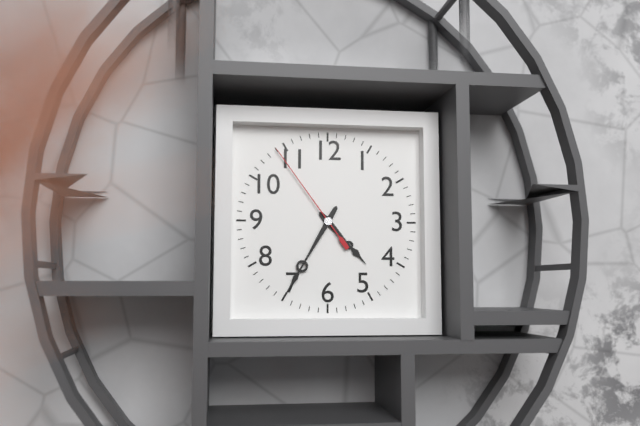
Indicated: 4,35,54
